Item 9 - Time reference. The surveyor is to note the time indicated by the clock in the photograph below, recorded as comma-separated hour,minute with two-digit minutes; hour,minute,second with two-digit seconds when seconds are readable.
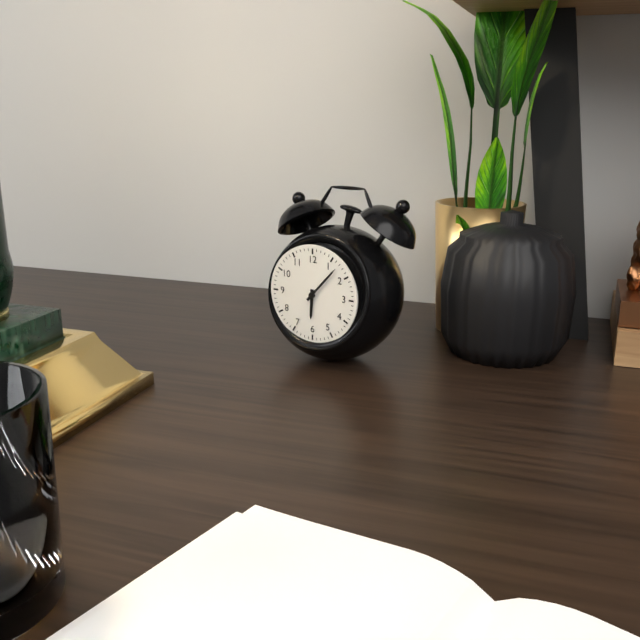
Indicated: 6,07
